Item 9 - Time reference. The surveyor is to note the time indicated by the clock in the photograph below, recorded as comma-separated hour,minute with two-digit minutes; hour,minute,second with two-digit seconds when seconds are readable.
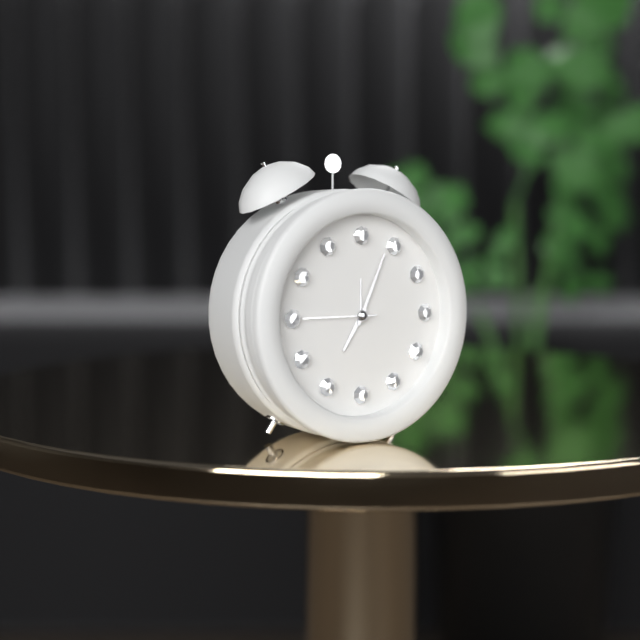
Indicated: 7,04,45
